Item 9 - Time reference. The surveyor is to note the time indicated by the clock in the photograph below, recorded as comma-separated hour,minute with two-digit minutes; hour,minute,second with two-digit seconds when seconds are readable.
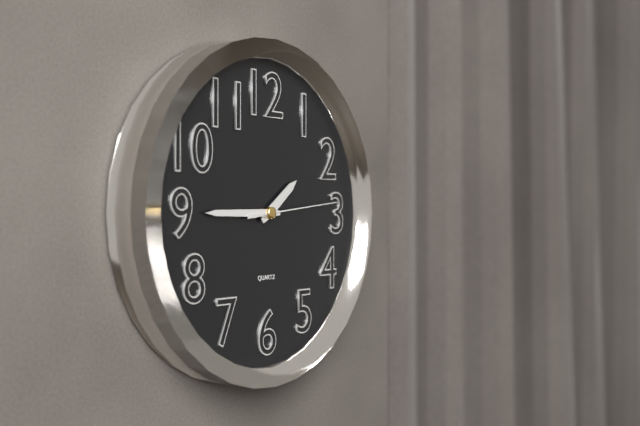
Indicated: 1,45,14
